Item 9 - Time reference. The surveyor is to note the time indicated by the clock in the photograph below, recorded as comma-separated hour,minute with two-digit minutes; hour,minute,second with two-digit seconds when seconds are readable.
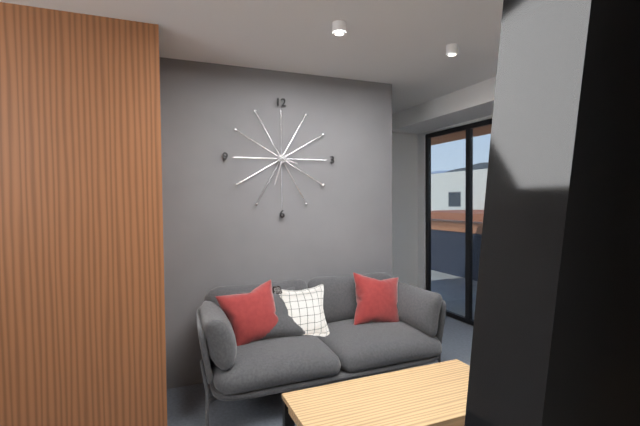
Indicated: 3,33
